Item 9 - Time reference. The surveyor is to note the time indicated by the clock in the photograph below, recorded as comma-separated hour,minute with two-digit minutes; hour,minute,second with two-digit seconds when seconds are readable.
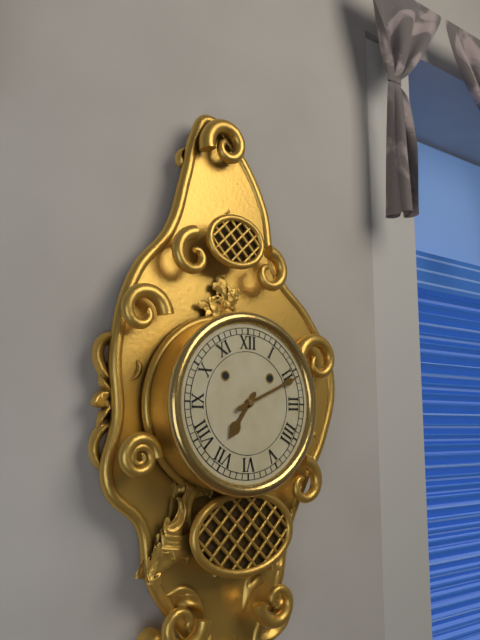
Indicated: 7,11
